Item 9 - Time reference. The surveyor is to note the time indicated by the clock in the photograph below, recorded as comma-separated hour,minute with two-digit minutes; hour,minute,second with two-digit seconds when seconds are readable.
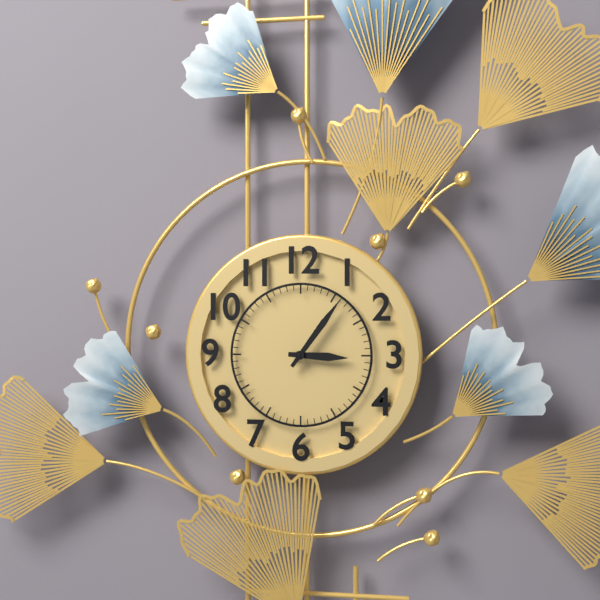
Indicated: 3,06
